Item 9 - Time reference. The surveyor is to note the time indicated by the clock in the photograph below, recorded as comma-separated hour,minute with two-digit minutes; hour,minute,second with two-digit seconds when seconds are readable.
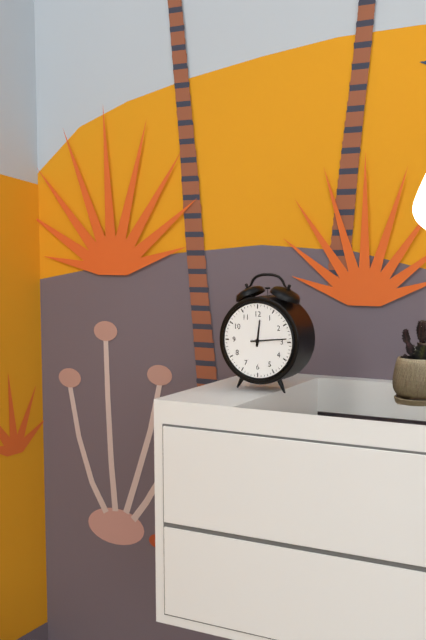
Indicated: 12,14
